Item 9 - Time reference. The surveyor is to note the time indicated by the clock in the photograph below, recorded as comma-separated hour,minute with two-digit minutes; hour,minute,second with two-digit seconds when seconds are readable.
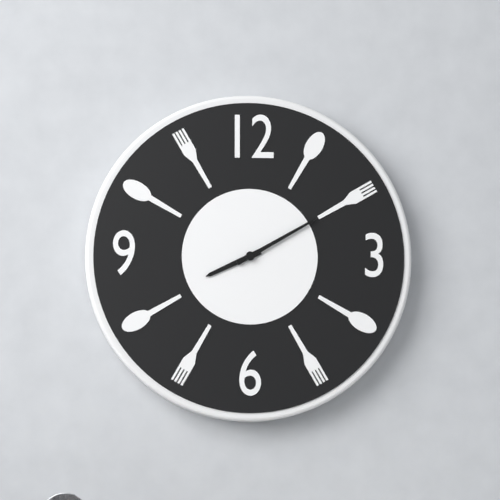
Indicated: 8,10
